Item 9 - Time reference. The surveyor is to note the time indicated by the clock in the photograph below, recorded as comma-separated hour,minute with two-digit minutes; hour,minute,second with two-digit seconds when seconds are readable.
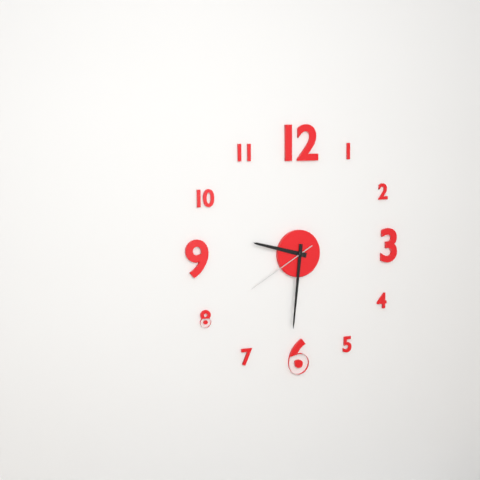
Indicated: 9,31,40
